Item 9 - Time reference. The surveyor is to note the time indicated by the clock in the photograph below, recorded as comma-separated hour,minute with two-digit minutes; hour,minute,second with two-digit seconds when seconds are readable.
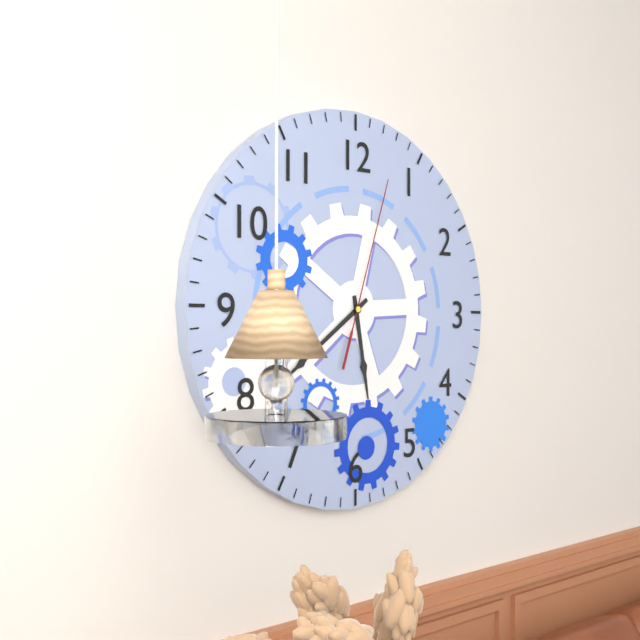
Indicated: 5,39,03
